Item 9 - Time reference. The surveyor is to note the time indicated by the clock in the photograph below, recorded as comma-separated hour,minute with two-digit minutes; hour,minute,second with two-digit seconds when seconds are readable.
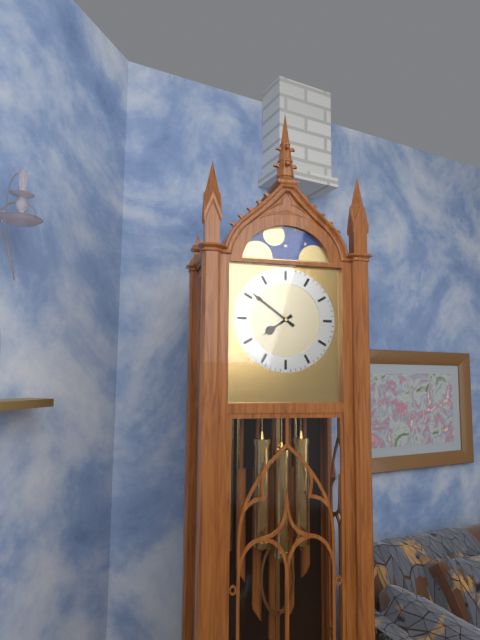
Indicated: 7,51
